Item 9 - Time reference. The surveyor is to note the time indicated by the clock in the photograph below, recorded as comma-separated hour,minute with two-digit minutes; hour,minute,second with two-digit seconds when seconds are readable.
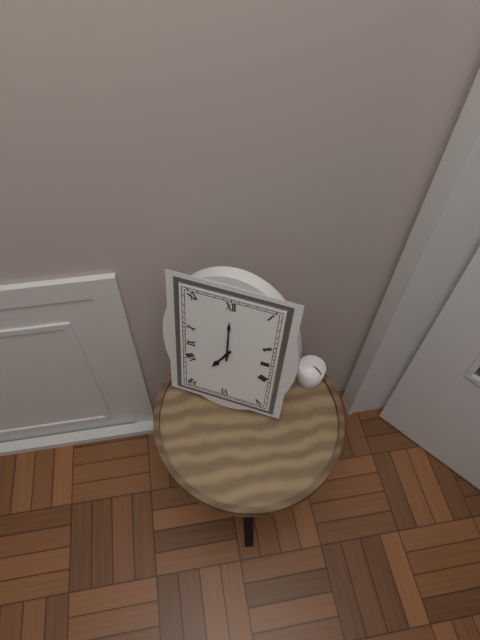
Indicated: 7,00
